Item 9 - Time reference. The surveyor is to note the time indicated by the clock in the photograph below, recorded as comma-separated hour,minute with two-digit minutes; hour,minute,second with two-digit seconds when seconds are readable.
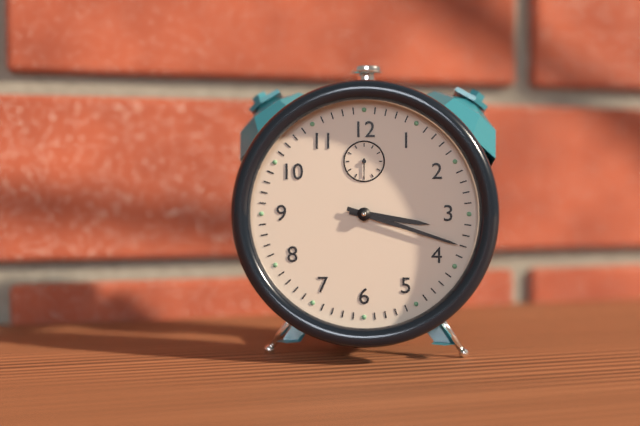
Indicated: 3,18
